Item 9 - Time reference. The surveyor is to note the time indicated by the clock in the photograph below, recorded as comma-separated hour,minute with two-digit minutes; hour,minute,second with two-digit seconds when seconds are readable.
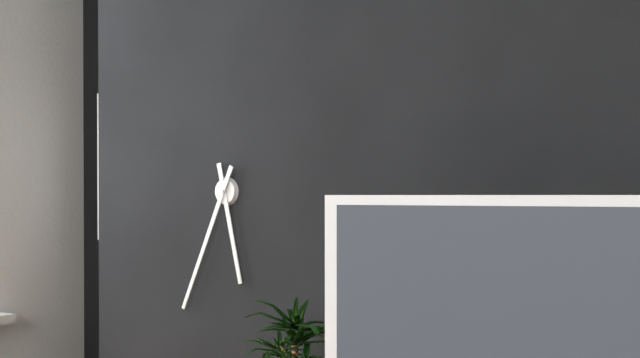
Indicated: 5,34
